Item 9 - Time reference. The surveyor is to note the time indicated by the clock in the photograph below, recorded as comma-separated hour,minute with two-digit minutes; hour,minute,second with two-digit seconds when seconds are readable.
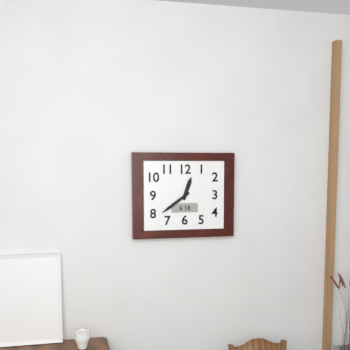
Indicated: 12,39
